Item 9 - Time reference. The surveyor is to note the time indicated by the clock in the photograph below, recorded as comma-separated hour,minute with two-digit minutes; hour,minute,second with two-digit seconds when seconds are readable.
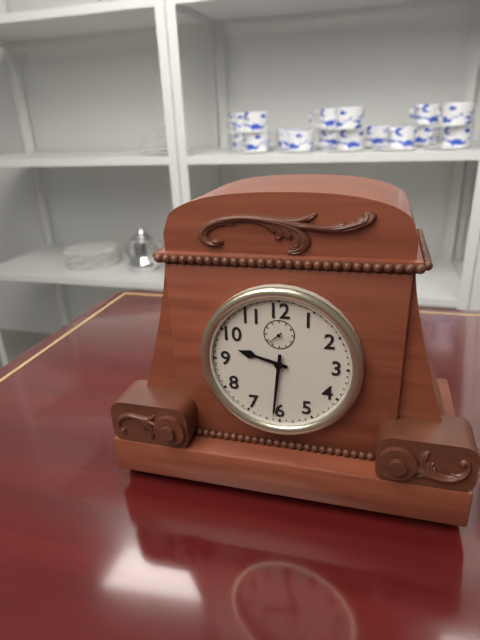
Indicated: 9,31
